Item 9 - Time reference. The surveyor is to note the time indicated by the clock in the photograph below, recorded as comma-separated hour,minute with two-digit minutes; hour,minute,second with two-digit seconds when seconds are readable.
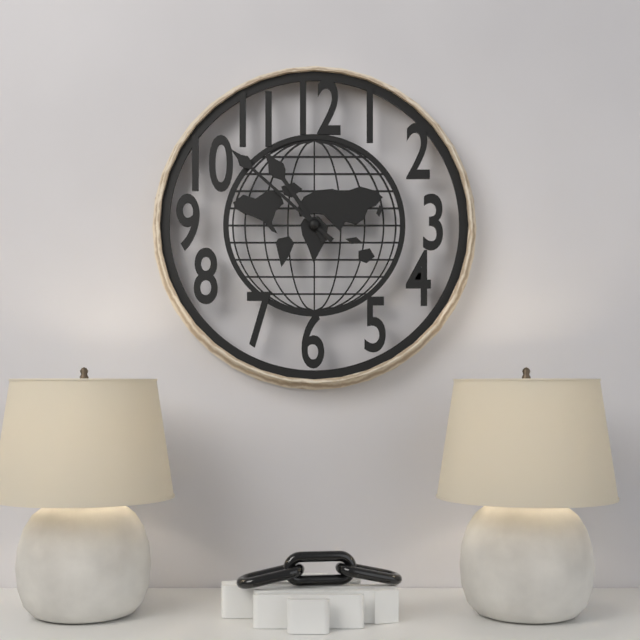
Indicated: 10,52
